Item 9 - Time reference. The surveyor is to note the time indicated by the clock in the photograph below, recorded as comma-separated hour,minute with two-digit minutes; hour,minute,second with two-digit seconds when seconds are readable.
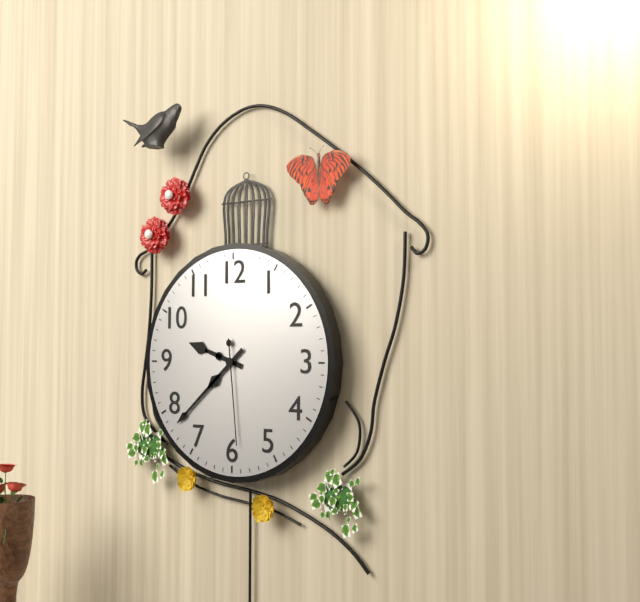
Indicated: 9,38,29
